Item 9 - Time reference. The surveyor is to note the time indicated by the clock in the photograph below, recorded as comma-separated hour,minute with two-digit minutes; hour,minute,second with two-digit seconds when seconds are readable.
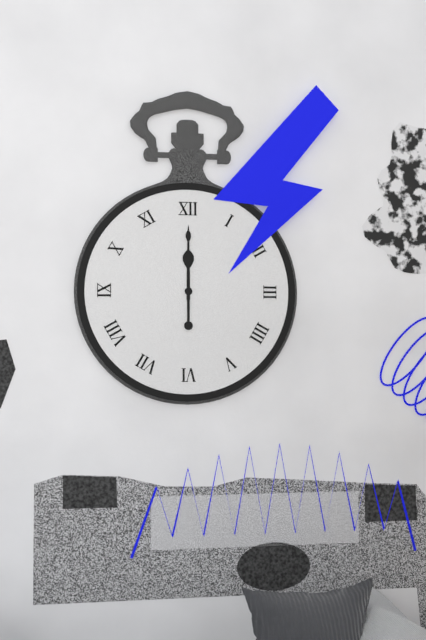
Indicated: 12,00
